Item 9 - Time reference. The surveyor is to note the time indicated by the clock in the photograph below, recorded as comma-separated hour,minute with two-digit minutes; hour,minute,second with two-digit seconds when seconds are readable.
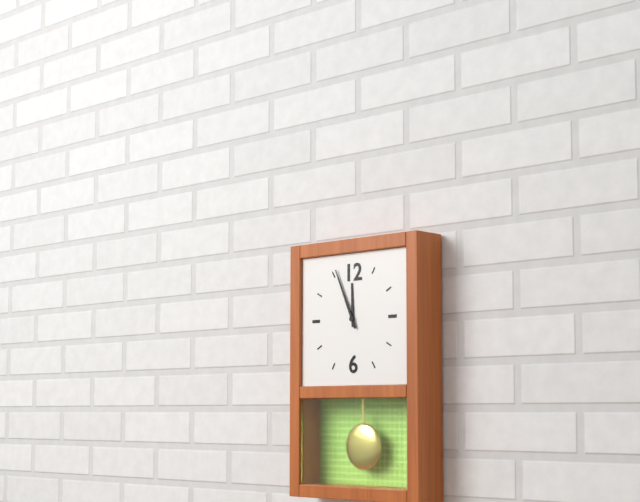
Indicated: 11,56
